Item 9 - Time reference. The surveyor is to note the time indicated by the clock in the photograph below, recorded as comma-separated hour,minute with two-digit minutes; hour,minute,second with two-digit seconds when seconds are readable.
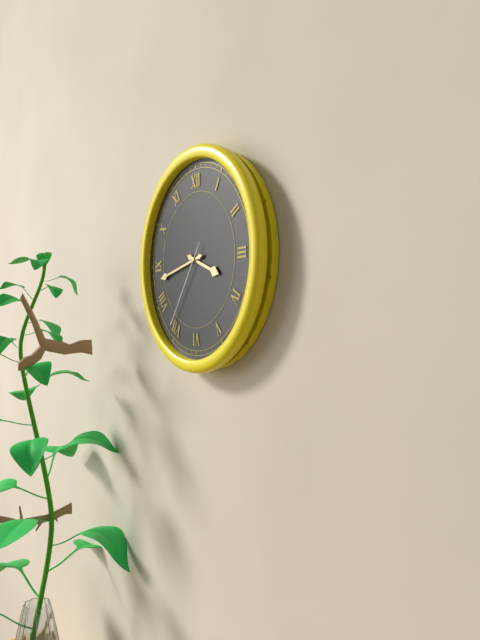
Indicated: 3,43,36
